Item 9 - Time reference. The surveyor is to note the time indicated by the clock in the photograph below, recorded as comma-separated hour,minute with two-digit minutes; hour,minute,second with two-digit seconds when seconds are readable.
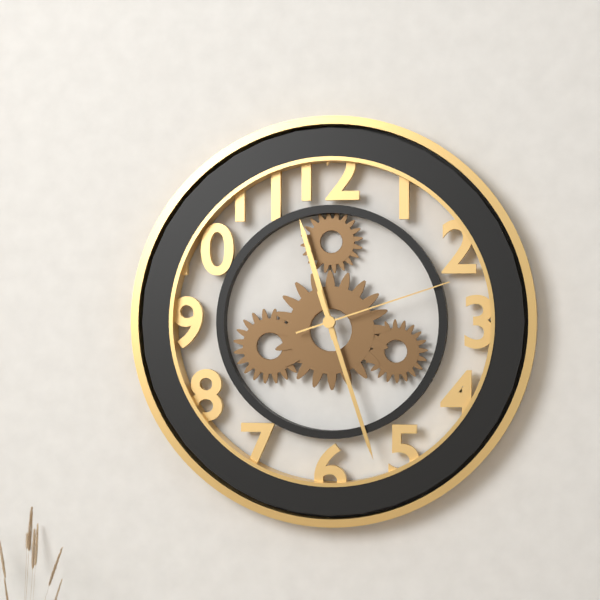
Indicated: 11,27,12
